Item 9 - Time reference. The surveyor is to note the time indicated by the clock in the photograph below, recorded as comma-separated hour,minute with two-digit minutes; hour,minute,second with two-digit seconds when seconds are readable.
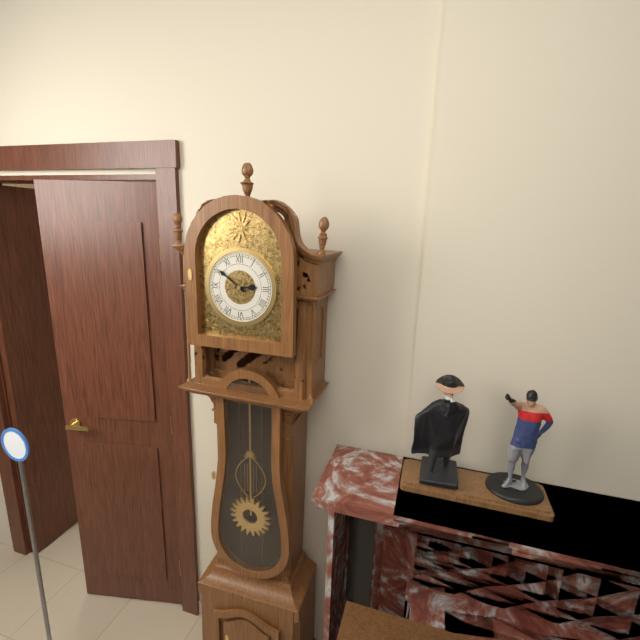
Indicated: 2,51
